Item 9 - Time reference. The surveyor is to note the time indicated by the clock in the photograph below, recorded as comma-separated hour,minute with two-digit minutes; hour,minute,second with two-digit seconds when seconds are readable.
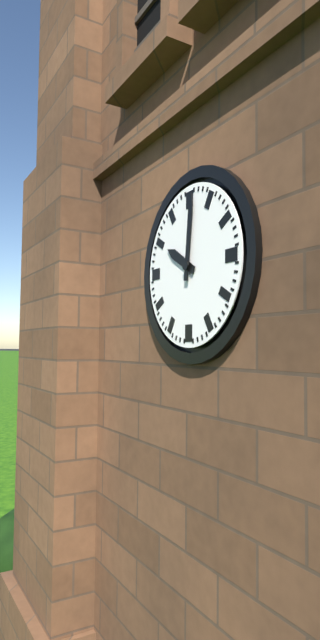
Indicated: 10,01
